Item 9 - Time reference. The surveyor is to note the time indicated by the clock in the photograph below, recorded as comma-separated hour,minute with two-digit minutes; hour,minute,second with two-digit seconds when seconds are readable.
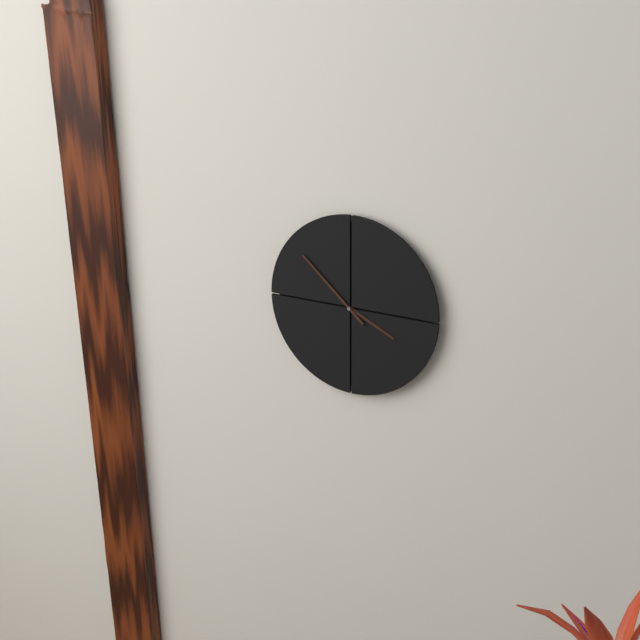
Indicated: 3,52
